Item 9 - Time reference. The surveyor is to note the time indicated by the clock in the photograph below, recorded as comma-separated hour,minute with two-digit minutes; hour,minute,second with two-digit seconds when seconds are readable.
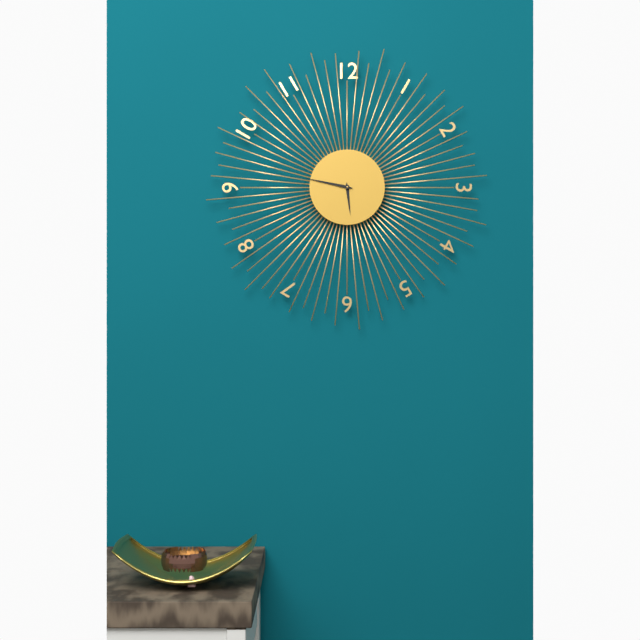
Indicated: 5,47
